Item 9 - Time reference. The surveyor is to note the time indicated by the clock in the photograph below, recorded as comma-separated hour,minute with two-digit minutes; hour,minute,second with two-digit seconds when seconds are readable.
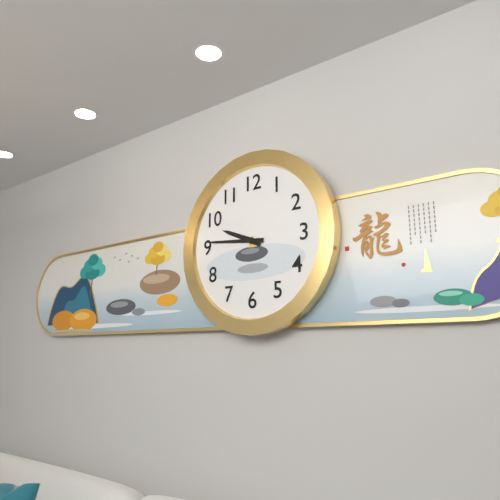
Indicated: 9,46
